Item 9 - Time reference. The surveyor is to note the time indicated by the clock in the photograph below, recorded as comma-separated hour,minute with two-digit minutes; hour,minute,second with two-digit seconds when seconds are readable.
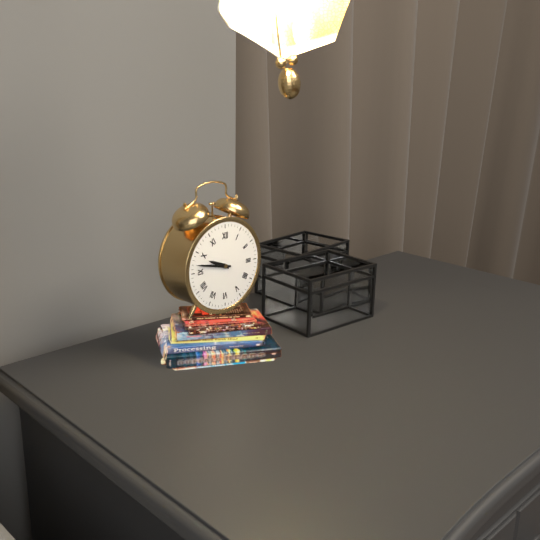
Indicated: 9,47
